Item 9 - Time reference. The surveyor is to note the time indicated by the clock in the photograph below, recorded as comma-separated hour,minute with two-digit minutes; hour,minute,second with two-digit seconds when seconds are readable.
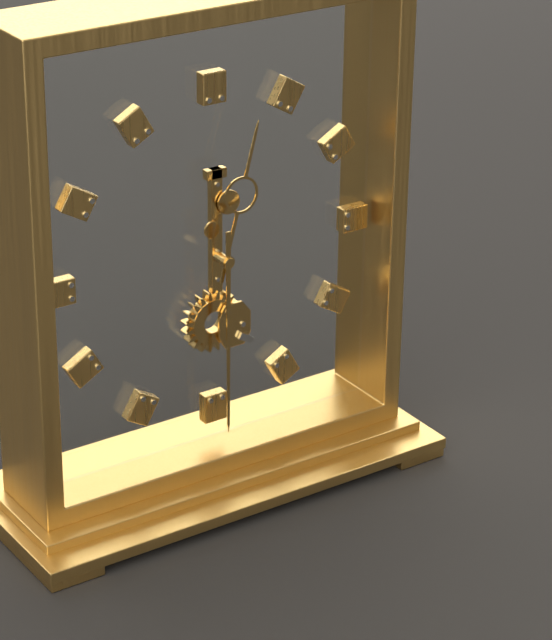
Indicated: 12,30
